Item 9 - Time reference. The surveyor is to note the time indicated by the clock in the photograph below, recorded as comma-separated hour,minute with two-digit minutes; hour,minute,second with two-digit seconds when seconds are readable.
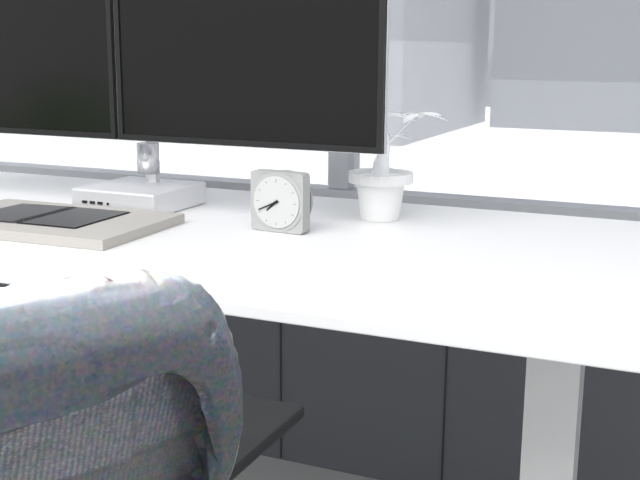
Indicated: 7,41
